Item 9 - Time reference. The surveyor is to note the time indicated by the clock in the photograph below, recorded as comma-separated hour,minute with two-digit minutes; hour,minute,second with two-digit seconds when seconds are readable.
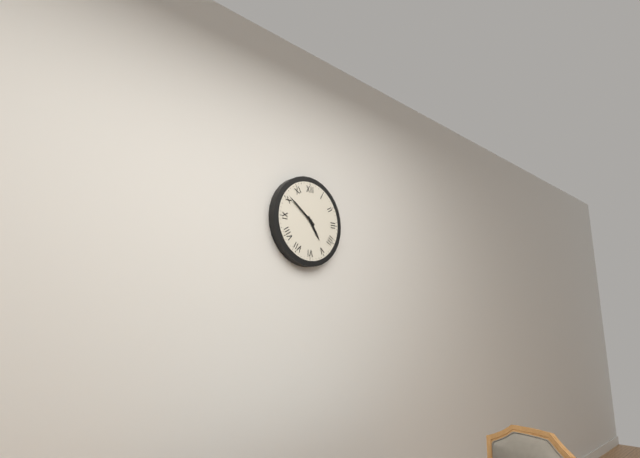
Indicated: 4,51
